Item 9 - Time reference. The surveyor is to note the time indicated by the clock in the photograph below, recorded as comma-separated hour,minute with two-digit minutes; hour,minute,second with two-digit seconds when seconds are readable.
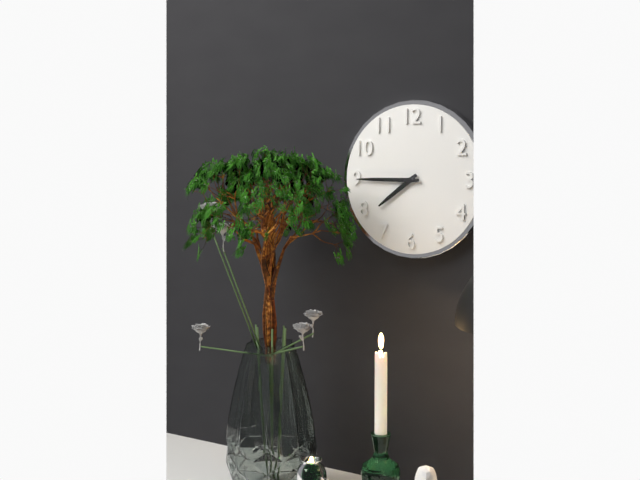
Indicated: 7,45
